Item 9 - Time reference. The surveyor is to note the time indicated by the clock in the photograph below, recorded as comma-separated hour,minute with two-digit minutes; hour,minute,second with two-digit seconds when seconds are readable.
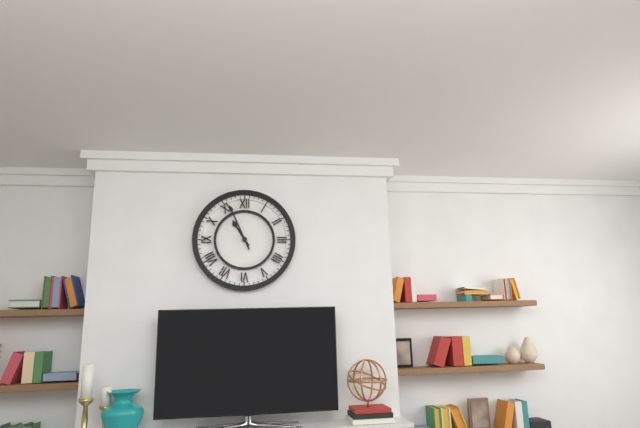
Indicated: 10,56
